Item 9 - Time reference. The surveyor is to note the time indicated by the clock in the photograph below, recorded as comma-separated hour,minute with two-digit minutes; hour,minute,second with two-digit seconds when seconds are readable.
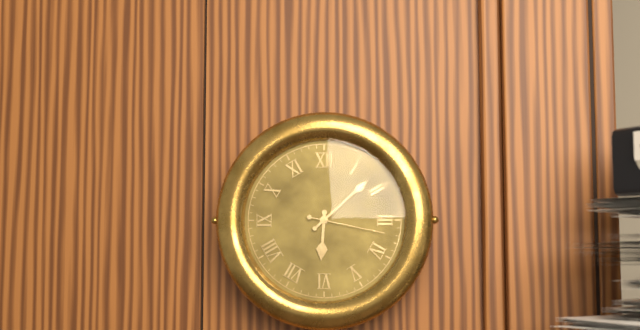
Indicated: 6,08,17
